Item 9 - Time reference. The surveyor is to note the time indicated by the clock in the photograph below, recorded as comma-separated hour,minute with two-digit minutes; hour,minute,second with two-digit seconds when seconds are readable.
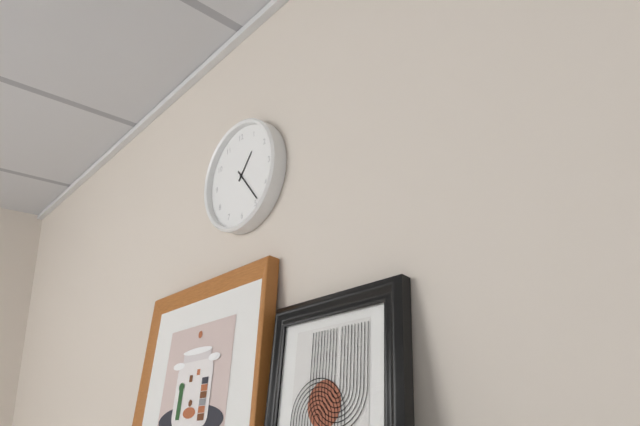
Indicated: 1,24
